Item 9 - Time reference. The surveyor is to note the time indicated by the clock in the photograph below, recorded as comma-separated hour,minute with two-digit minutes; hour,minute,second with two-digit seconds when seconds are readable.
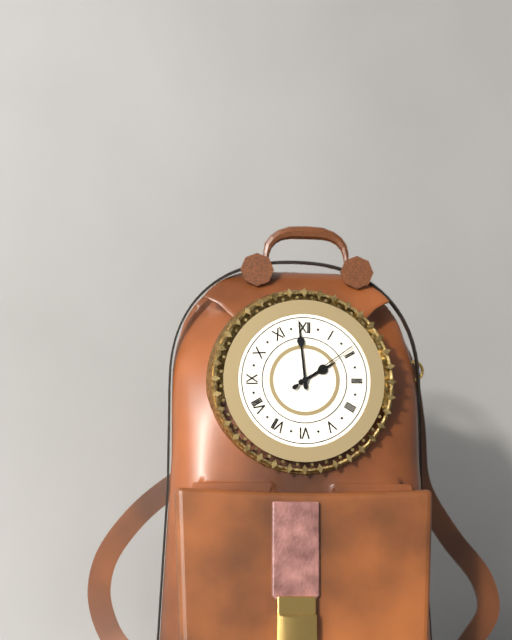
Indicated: 1,59,09
